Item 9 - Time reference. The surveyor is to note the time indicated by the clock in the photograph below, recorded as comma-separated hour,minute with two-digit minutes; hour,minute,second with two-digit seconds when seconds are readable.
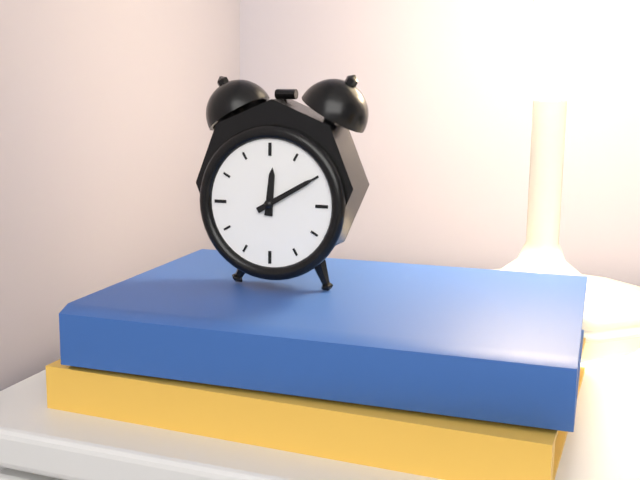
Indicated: 12,10
